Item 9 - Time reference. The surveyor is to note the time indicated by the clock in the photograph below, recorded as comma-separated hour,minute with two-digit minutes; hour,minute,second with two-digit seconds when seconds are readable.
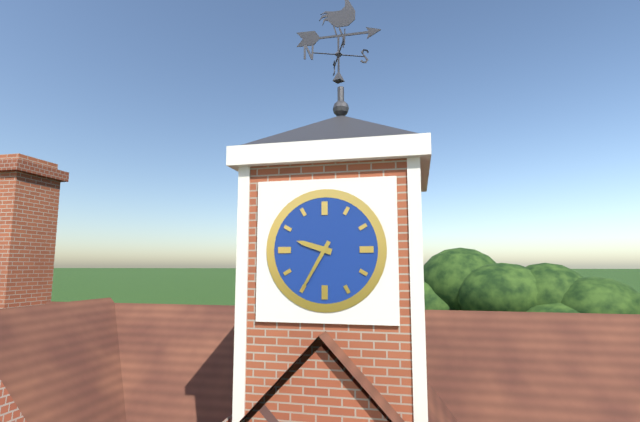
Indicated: 9,35
